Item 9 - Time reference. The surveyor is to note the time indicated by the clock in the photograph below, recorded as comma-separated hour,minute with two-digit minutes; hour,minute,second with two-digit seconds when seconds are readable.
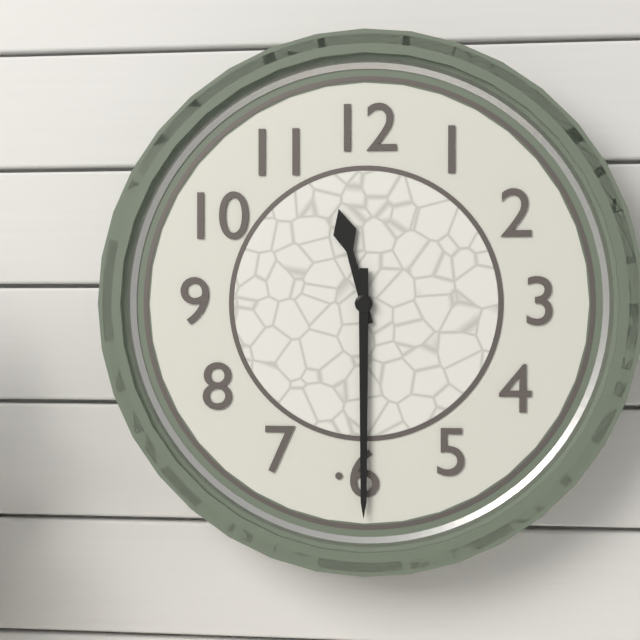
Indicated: 11,30
